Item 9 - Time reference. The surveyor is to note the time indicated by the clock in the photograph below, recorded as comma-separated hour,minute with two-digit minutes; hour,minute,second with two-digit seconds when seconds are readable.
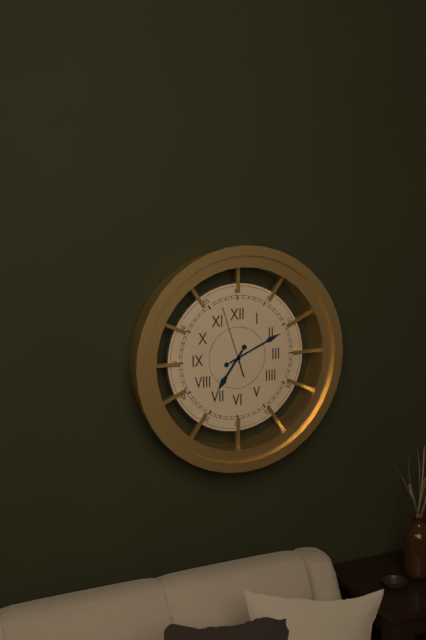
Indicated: 7,11,57
